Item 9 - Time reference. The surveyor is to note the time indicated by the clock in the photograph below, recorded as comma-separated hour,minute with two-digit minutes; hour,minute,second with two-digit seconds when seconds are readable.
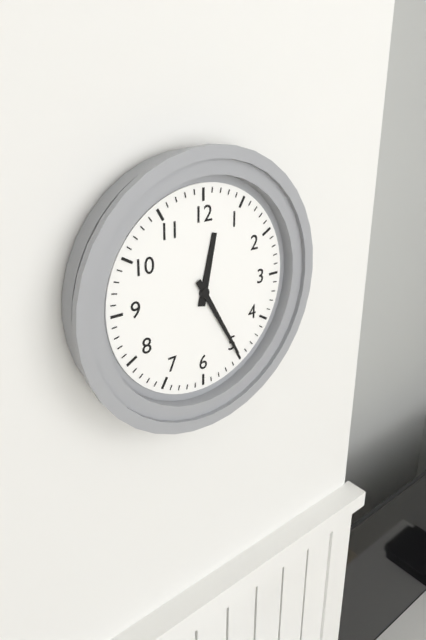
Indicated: 12,25
